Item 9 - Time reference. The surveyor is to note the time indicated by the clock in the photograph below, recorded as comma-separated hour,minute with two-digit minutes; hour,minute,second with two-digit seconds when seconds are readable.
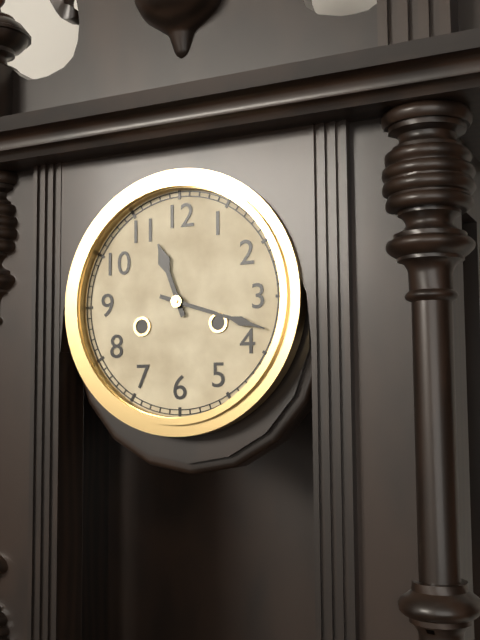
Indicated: 11,18
